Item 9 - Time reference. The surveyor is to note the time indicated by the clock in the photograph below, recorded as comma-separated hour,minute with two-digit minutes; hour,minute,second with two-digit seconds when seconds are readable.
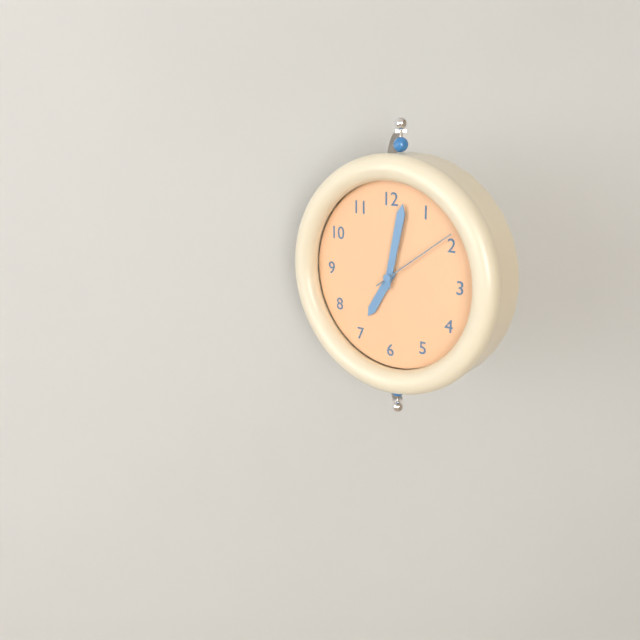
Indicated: 7,02,09
